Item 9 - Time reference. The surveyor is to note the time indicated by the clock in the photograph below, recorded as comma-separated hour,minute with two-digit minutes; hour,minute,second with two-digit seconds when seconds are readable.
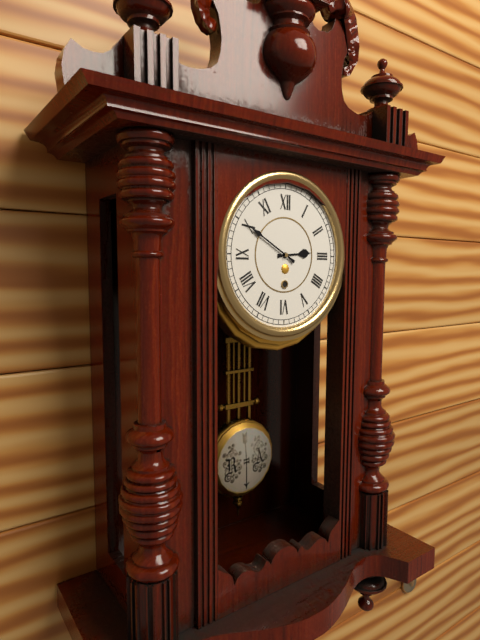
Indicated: 2,50
